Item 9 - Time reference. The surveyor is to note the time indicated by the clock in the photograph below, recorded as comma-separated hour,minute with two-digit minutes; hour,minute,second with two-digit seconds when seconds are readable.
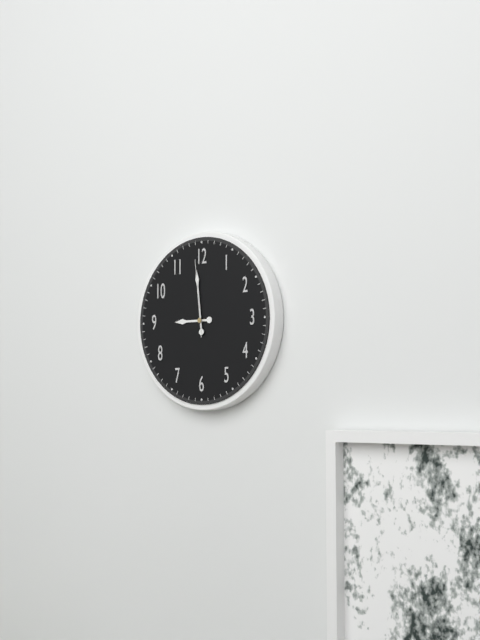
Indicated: 8,59,59
